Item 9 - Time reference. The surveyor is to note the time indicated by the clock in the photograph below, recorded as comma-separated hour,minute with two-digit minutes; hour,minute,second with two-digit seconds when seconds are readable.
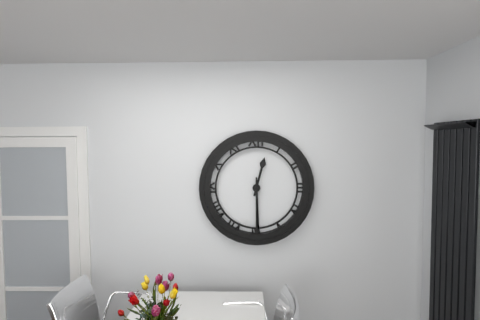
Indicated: 12,30
